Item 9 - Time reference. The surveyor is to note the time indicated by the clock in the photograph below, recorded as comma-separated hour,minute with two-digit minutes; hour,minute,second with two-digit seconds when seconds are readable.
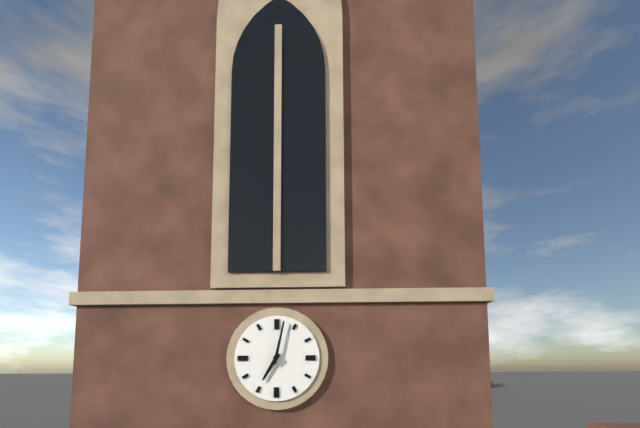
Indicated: 7,02
